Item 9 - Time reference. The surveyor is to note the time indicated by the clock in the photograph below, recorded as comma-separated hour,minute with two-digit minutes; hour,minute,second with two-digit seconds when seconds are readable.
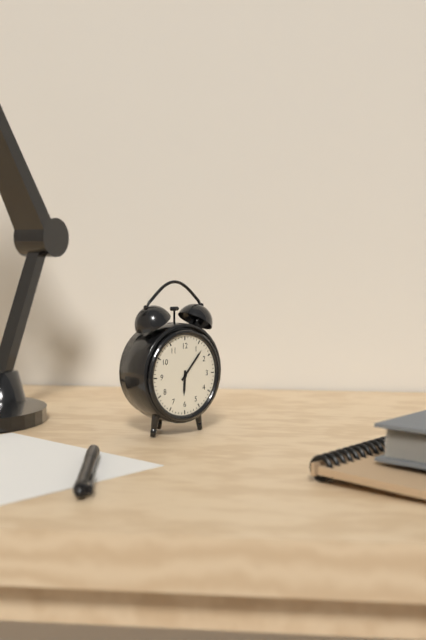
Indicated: 6,07
